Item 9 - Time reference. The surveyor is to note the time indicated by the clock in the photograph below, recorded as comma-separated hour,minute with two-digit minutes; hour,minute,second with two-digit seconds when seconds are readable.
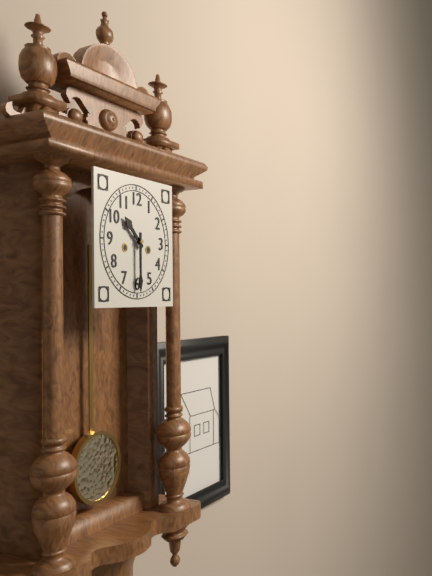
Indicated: 10,30
